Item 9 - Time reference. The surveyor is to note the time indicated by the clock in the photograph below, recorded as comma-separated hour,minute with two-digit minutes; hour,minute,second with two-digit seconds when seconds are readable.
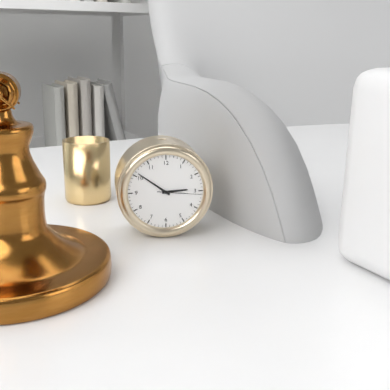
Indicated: 2,51
